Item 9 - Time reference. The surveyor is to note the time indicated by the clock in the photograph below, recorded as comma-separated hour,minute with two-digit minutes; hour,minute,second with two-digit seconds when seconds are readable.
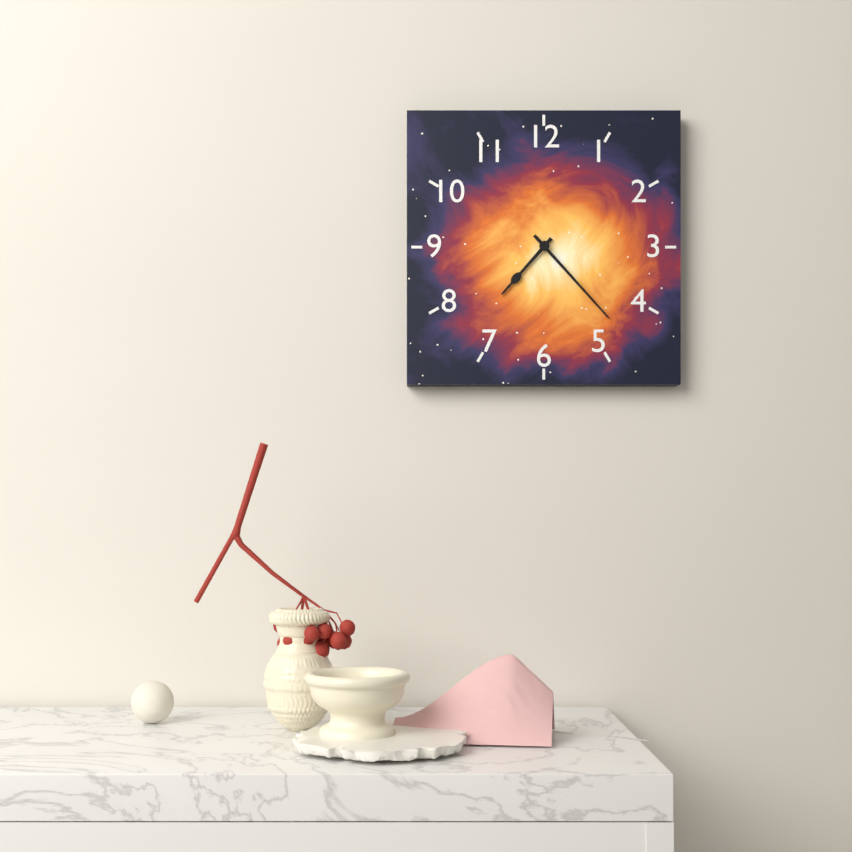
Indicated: 7,23
